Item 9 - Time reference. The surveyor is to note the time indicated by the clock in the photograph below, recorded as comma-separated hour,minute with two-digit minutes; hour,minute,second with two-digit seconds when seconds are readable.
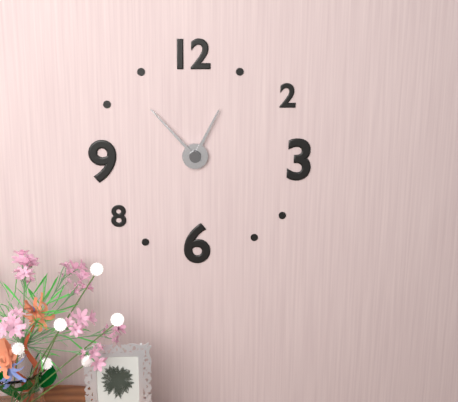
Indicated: 12,53
